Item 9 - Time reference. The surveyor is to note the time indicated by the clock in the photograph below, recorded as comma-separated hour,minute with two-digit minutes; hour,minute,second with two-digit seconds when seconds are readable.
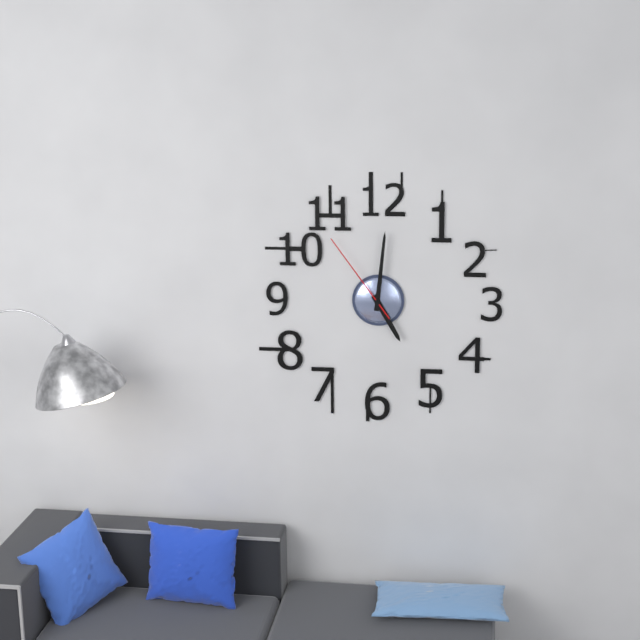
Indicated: 5,01,54
